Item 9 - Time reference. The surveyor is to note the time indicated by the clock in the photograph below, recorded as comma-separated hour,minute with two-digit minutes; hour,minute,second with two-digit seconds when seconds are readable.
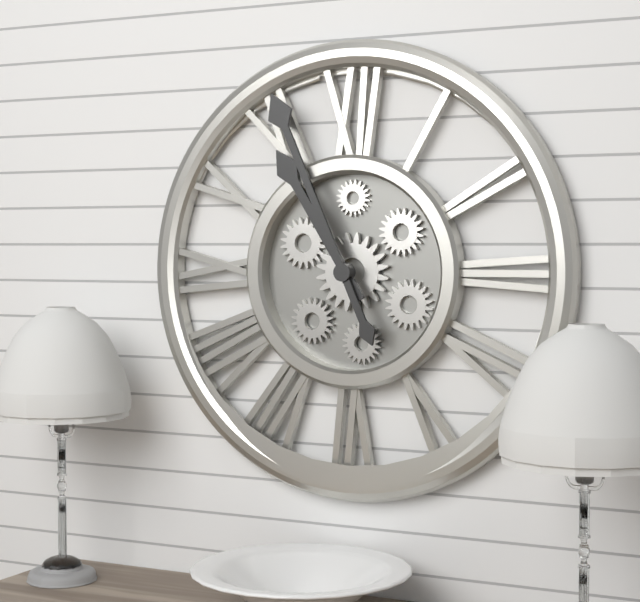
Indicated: 10,56
